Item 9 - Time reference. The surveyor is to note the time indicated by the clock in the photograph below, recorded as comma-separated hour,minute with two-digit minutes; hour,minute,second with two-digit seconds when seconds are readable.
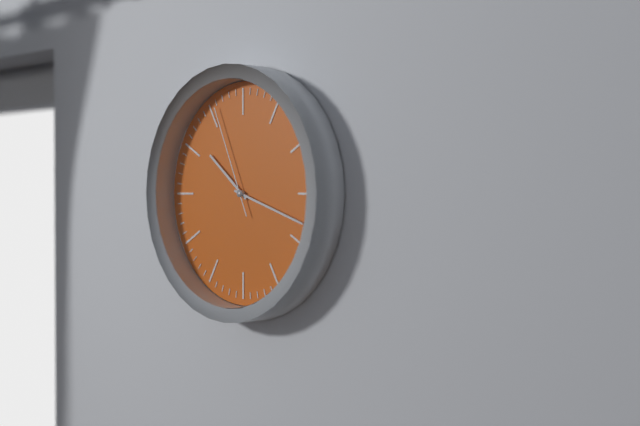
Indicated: 10,18,56
